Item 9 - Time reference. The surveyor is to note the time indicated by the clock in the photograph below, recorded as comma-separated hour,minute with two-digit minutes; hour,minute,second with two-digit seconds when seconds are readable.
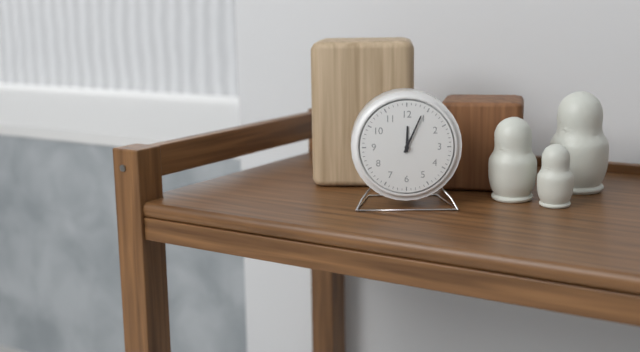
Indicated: 12,04
